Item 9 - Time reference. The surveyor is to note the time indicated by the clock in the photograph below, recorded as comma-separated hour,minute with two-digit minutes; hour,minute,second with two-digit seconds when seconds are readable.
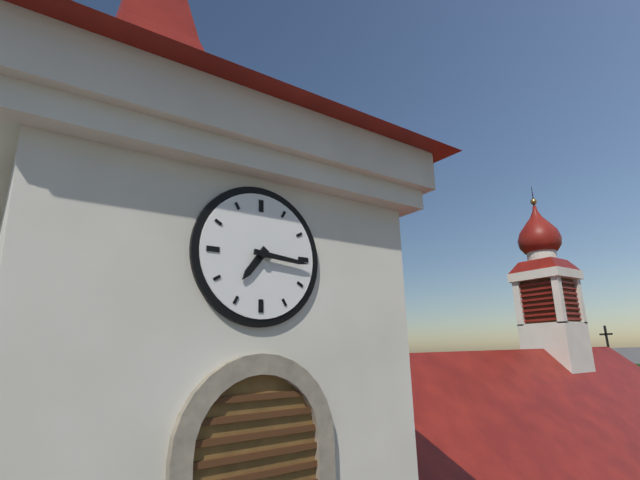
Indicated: 7,16
